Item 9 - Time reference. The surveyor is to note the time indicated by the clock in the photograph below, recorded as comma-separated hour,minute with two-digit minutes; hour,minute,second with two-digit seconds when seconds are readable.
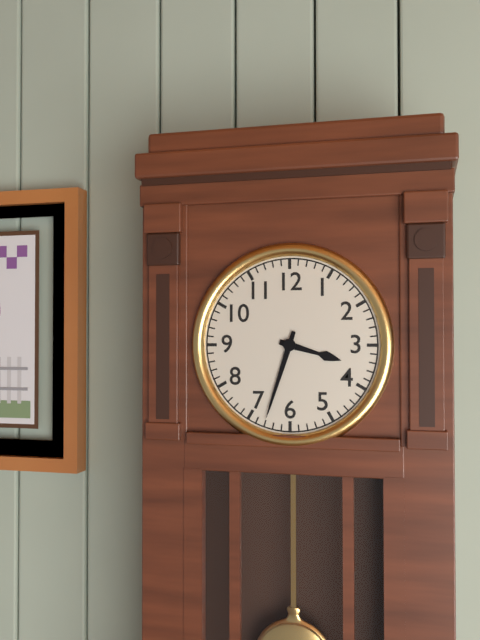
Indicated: 3,33
